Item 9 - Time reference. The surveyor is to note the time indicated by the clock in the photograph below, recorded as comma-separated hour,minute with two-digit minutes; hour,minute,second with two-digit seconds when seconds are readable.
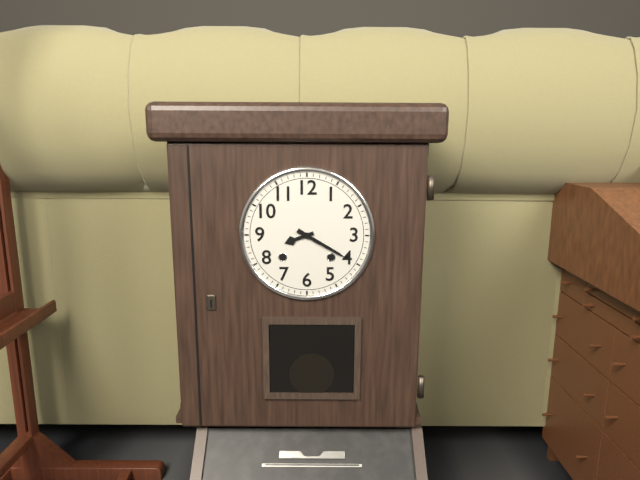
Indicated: 8,20
